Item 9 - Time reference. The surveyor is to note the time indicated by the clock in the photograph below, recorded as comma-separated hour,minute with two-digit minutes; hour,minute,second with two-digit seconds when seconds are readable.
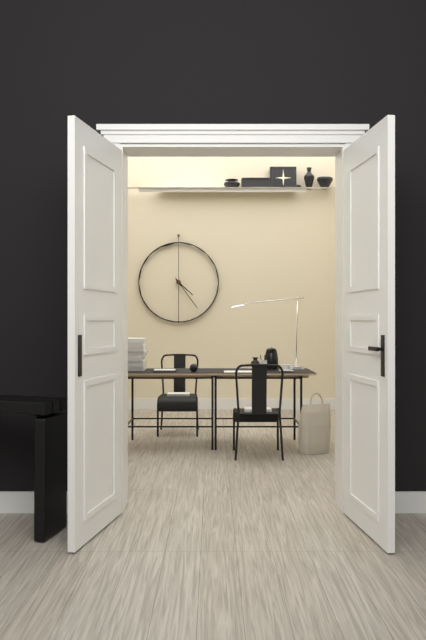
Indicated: 4,24
